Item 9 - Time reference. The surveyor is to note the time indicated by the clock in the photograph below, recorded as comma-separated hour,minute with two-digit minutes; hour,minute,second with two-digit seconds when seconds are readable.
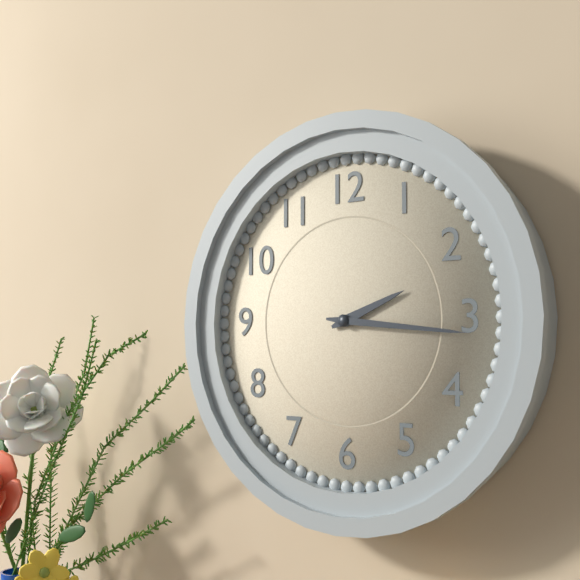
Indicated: 2,16
